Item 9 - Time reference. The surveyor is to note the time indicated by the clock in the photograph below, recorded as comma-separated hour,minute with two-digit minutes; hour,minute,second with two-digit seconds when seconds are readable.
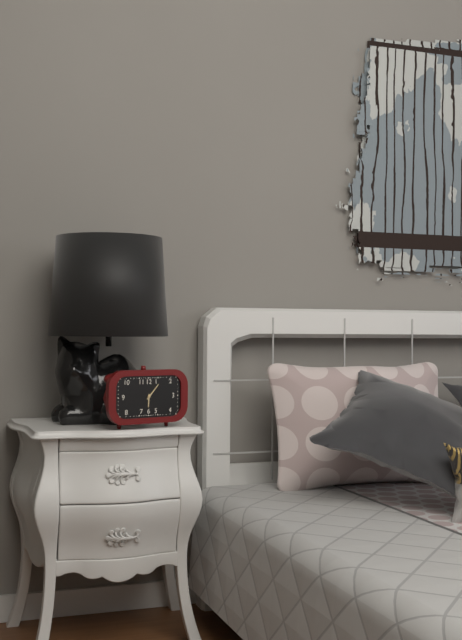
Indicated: 6,07
